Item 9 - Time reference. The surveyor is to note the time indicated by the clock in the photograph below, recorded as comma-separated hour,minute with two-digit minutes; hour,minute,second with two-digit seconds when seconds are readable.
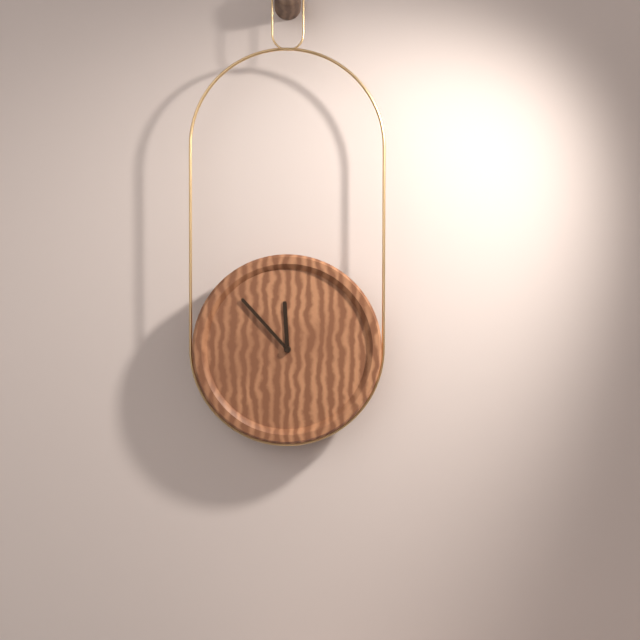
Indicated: 11,53
